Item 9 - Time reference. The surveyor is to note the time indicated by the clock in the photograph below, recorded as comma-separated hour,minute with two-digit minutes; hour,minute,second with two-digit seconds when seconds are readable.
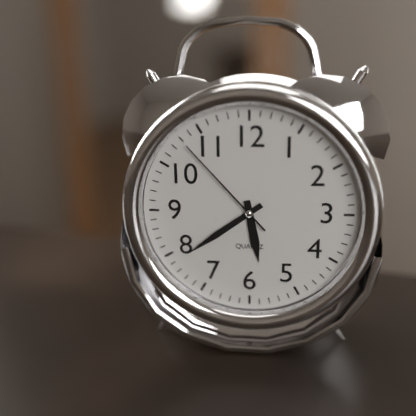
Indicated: 5,39,53
